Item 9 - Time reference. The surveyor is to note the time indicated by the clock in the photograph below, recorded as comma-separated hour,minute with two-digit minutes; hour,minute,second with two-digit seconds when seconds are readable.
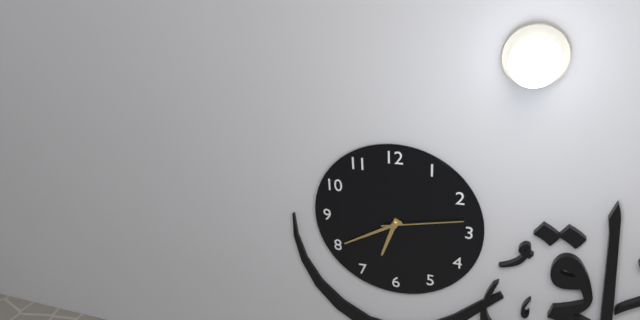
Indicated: 6,40,13
